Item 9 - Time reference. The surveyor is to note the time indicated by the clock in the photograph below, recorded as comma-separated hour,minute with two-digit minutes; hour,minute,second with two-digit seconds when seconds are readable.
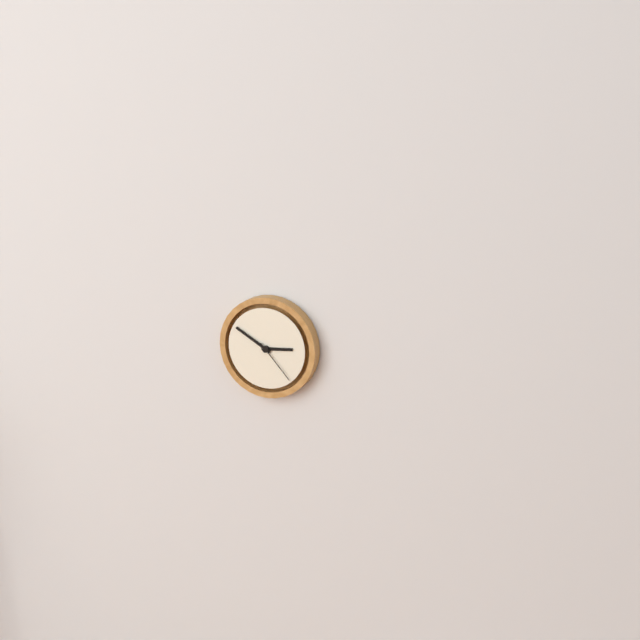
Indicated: 2,50
